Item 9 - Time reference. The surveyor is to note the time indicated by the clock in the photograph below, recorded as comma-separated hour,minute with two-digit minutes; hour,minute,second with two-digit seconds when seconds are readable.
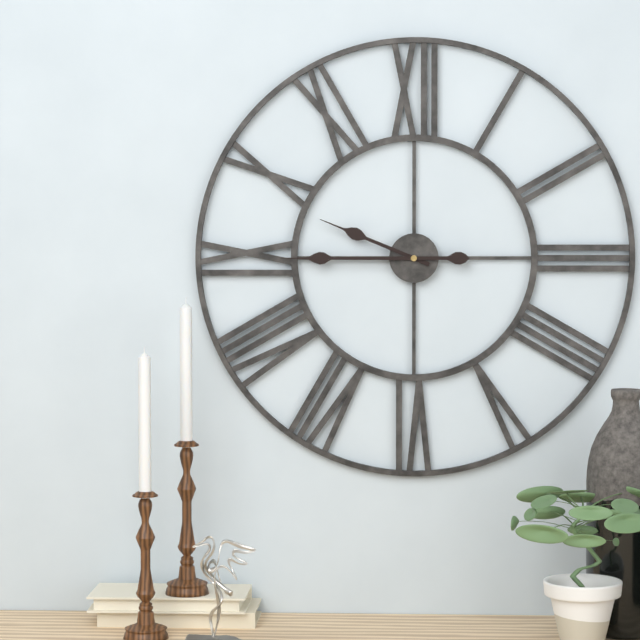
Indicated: 9,45
